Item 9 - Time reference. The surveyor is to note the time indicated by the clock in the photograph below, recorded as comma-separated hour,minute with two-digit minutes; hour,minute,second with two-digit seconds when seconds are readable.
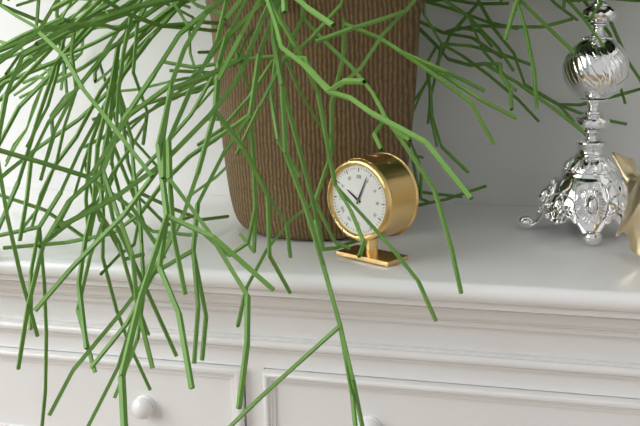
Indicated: 10,04
